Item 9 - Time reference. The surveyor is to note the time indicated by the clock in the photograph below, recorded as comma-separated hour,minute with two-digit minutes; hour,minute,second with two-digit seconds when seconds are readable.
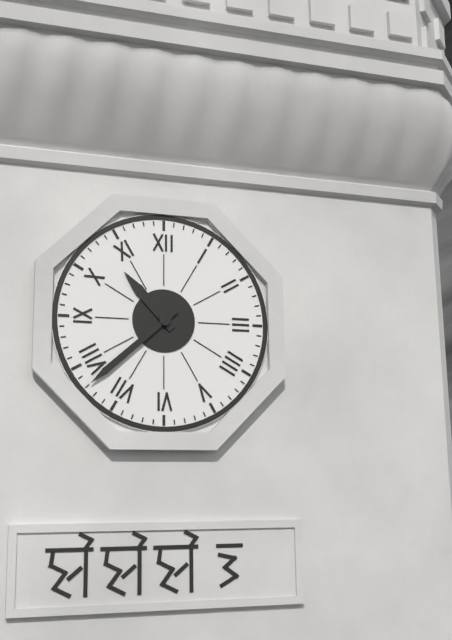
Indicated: 10,38
